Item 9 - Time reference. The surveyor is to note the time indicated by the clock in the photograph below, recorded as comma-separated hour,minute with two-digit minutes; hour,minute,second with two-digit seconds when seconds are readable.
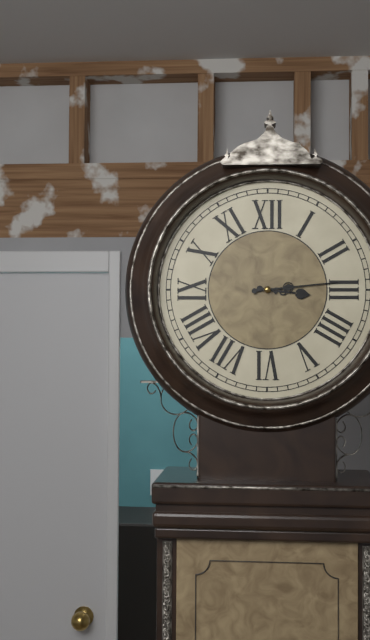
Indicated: 3,14
